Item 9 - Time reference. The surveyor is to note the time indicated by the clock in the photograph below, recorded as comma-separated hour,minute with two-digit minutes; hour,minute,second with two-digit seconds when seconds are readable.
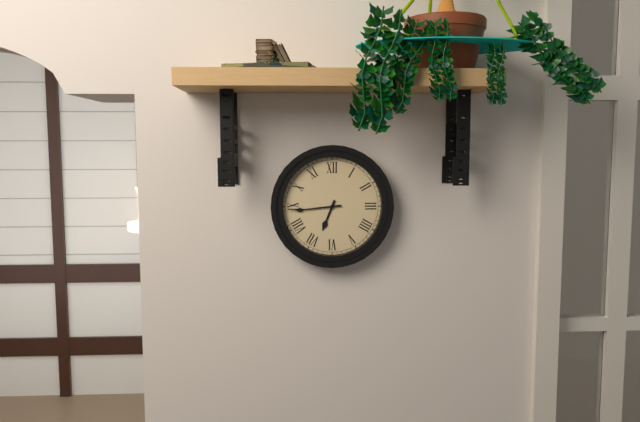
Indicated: 6,44
